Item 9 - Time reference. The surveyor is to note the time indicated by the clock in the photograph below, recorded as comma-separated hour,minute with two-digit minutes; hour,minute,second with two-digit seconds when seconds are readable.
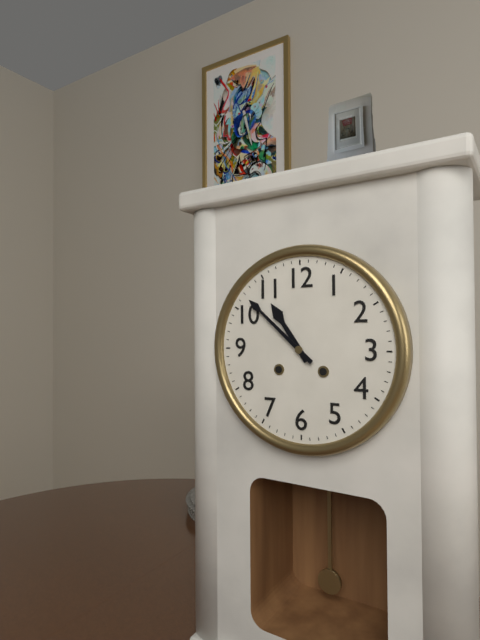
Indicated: 10,52
